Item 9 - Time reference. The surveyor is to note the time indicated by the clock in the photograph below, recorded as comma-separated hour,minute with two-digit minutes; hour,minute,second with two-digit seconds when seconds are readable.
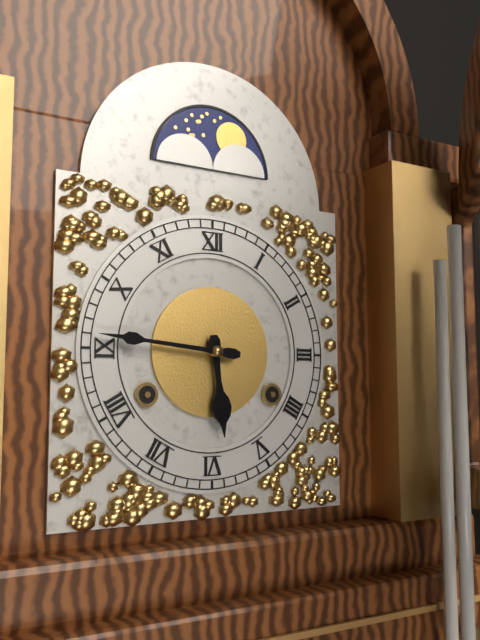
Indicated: 5,46
